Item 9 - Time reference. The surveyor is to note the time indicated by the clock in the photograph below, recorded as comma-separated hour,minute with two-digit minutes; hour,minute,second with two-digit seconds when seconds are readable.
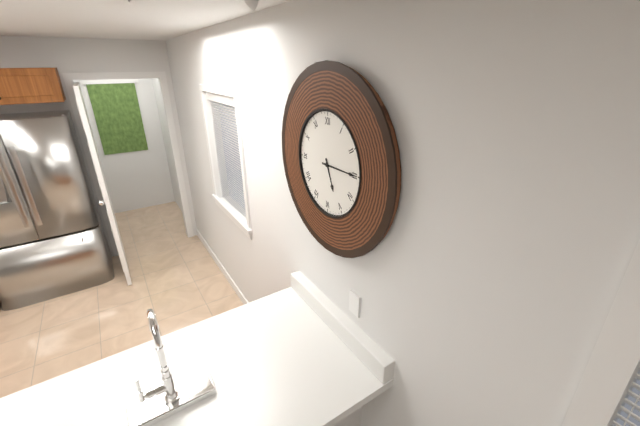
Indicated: 5,15
